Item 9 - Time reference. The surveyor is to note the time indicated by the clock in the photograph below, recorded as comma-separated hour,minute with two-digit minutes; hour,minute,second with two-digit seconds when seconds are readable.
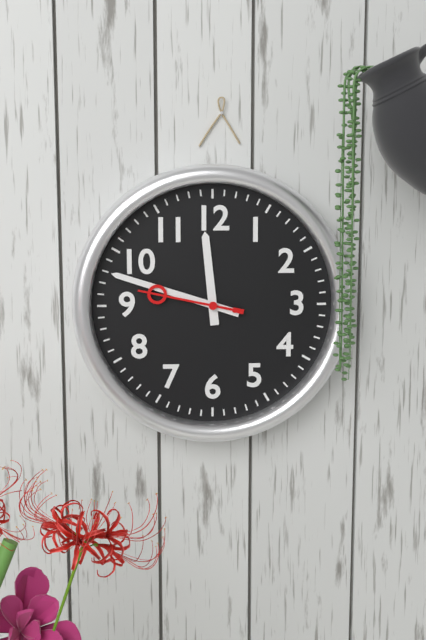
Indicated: 11,48,47
